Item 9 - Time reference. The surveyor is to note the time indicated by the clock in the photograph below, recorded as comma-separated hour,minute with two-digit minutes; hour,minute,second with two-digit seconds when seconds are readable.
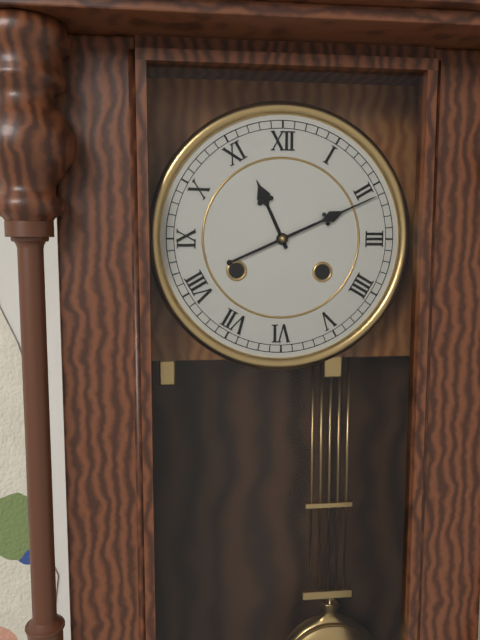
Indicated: 11,11
